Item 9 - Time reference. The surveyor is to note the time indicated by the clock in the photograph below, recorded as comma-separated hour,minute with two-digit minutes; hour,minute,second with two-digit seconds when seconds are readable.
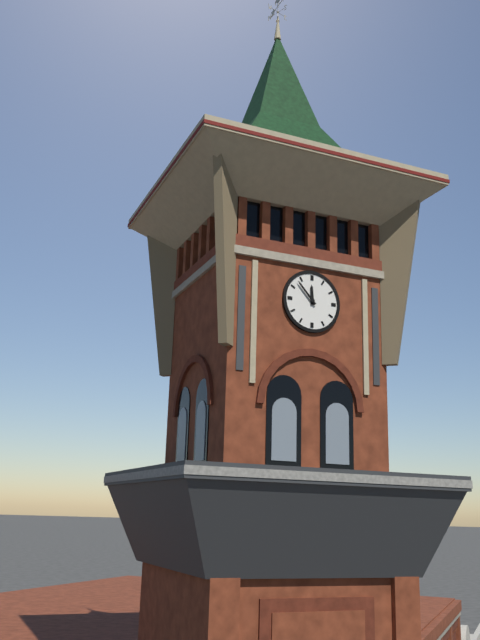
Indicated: 11,53
